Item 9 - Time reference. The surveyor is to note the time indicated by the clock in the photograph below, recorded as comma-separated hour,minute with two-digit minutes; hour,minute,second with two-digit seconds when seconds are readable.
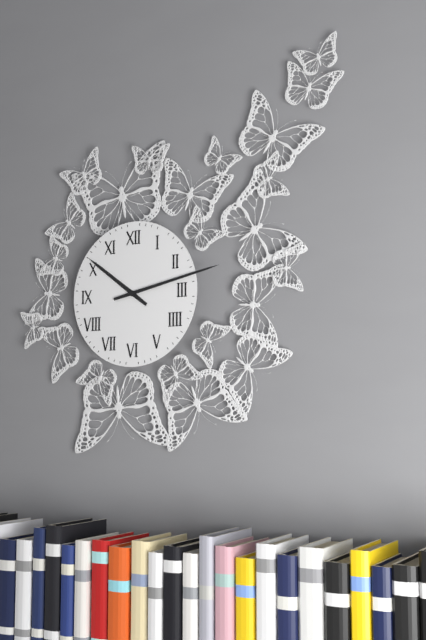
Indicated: 10,13
